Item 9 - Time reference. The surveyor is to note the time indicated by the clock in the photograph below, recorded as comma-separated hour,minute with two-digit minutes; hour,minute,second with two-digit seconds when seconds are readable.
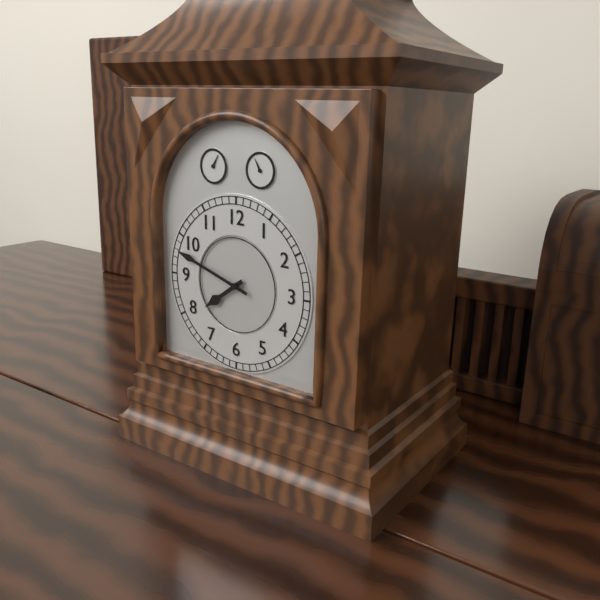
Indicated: 7,48
